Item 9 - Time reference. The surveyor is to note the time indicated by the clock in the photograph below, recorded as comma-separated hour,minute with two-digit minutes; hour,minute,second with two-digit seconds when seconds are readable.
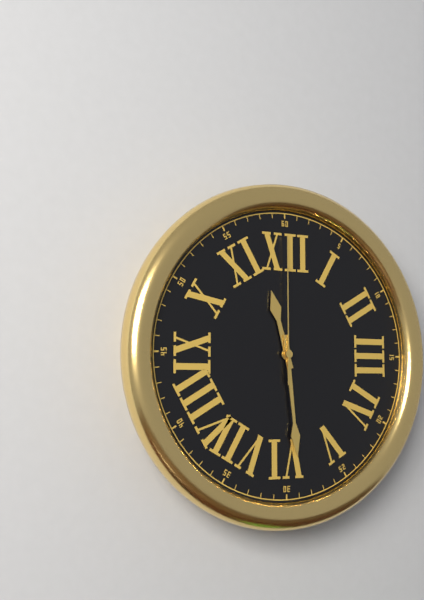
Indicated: 11,29,00
